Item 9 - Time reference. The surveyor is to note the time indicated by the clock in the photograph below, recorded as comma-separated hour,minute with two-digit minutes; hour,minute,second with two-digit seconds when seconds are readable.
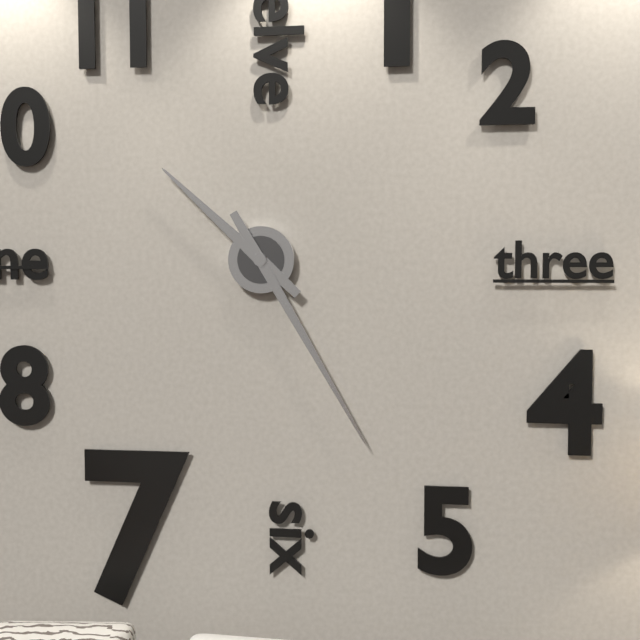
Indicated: 10,25
